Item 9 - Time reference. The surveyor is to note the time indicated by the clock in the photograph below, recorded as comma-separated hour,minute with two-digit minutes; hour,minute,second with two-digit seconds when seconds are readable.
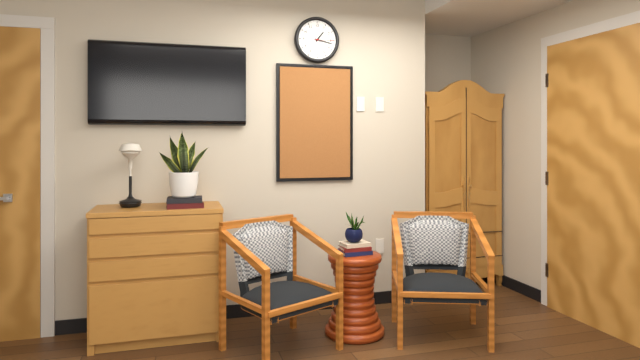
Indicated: 1,17
